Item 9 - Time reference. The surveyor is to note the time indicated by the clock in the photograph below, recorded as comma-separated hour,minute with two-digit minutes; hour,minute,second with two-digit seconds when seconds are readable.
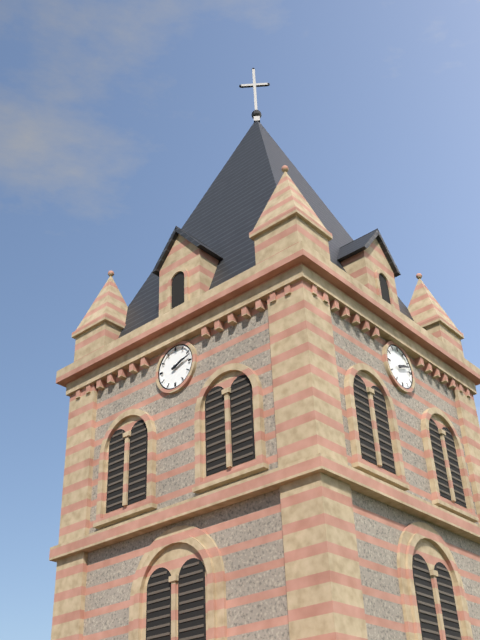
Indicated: 2,12
